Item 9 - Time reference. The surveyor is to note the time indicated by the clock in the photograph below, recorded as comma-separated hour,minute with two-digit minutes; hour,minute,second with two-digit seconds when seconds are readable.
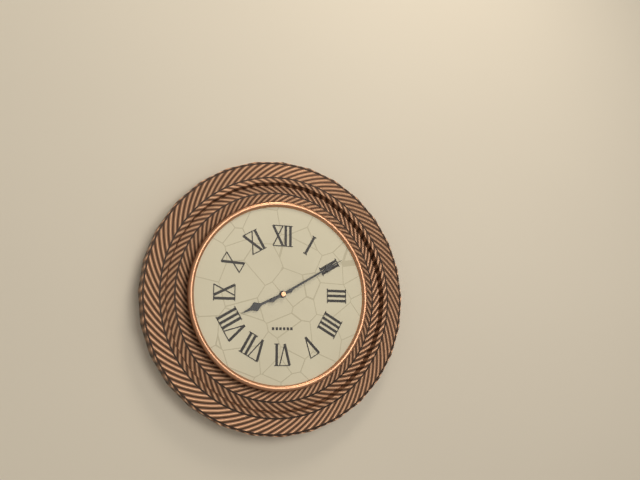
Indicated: 8,10
